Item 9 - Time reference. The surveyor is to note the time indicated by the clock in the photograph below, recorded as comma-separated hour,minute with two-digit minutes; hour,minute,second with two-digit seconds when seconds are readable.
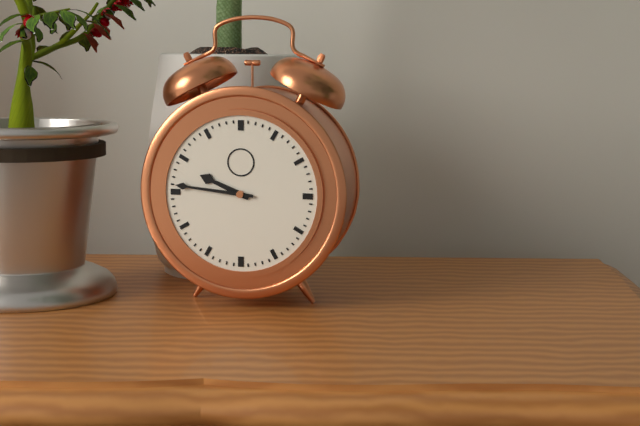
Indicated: 9,46
